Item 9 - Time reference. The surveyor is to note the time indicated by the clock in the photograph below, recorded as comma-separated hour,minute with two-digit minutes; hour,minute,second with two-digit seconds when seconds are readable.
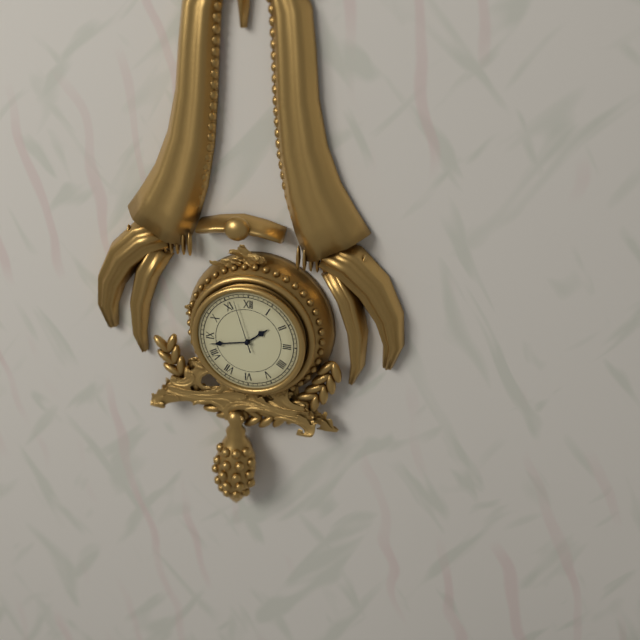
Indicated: 1,43,57
